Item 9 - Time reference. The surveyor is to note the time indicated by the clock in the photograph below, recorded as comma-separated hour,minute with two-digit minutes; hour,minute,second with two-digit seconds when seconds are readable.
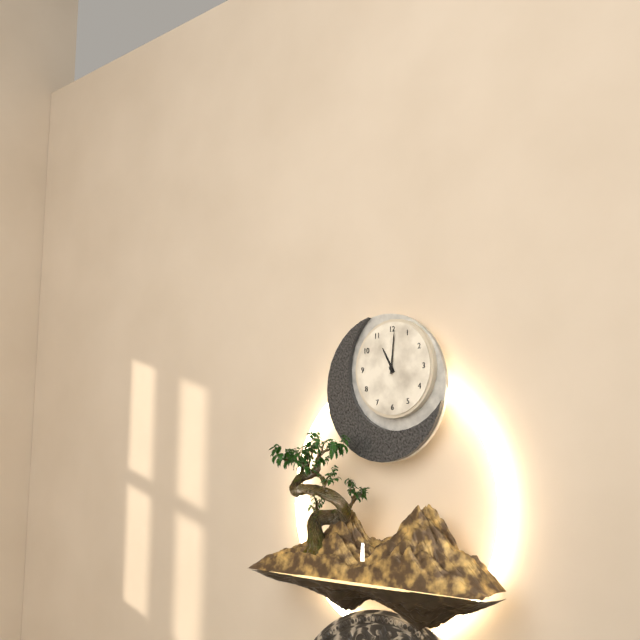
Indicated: 11,01
